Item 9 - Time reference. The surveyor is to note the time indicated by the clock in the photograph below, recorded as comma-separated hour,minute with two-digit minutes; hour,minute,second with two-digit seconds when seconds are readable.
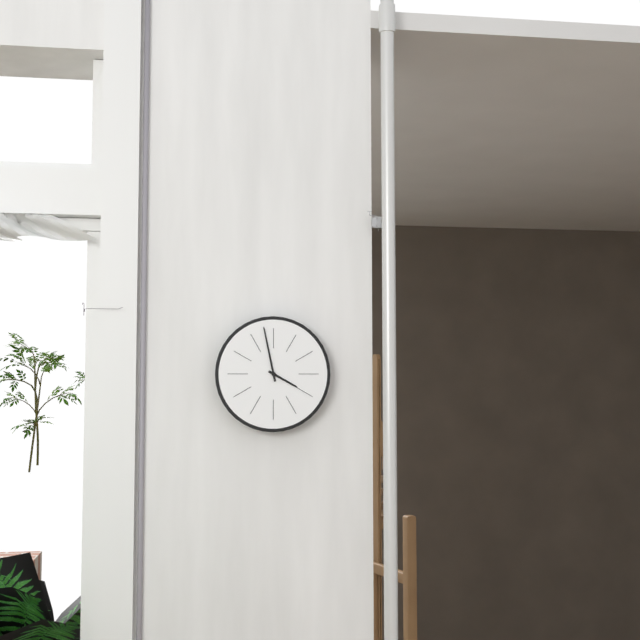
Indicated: 3,58
